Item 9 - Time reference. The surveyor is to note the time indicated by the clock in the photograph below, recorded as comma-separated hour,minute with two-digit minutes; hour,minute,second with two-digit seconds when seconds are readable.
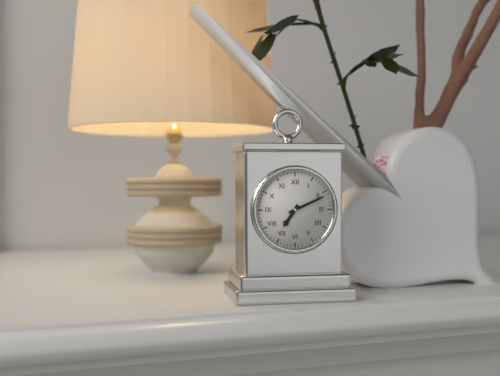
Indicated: 7,11
